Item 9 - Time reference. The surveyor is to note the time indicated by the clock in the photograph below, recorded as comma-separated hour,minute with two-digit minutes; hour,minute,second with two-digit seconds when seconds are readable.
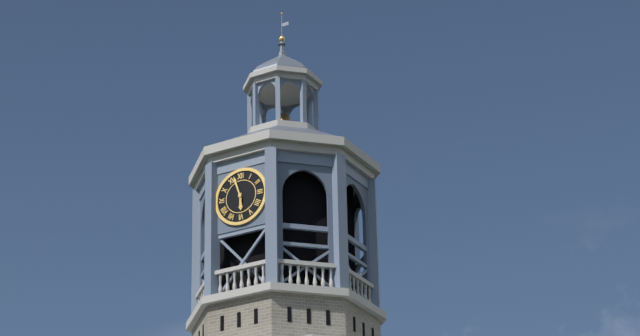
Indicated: 5,57
